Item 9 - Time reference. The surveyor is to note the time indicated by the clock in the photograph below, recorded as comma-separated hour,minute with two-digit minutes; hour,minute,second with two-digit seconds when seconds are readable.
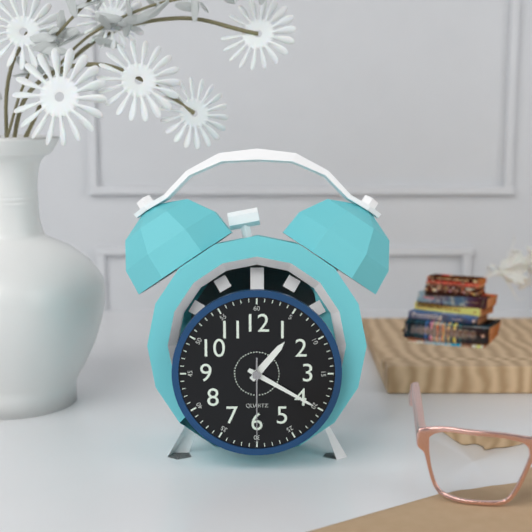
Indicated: 1,20,30
